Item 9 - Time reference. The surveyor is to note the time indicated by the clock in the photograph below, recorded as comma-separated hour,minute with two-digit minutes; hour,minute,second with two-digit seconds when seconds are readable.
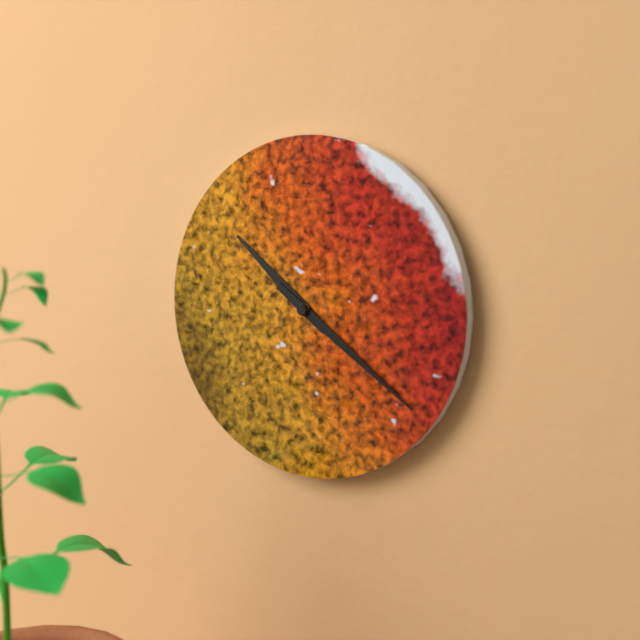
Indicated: 10,21
